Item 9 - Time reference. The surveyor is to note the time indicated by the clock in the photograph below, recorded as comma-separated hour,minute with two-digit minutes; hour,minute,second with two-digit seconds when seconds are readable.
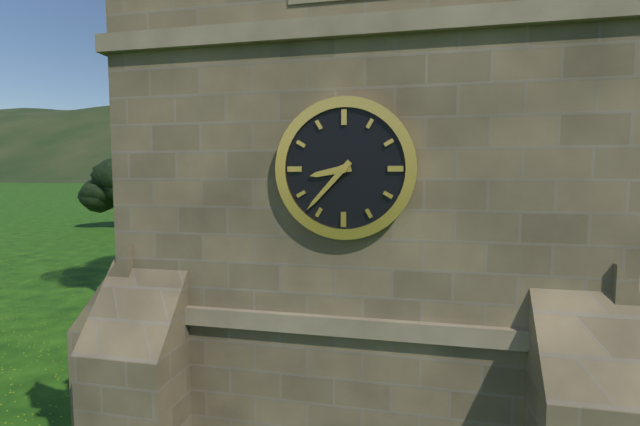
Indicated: 8,37
